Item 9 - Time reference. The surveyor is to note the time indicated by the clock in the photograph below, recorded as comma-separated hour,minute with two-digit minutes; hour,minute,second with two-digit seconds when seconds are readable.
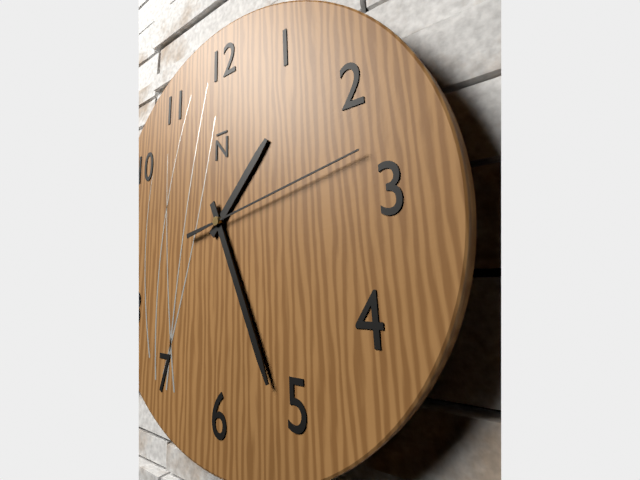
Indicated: 1,26,13
